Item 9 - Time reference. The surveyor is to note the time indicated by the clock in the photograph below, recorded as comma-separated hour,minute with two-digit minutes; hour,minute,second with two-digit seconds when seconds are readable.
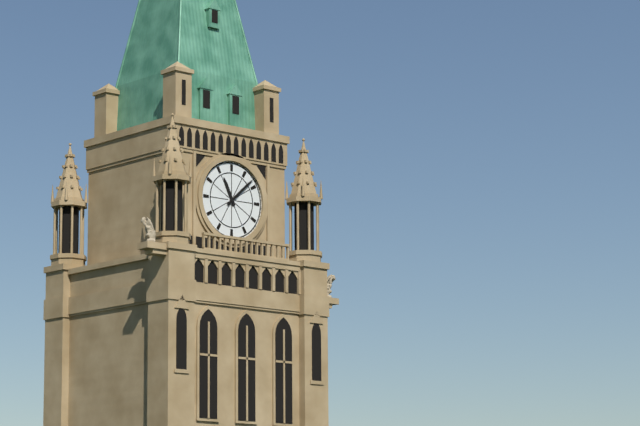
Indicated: 11,08
